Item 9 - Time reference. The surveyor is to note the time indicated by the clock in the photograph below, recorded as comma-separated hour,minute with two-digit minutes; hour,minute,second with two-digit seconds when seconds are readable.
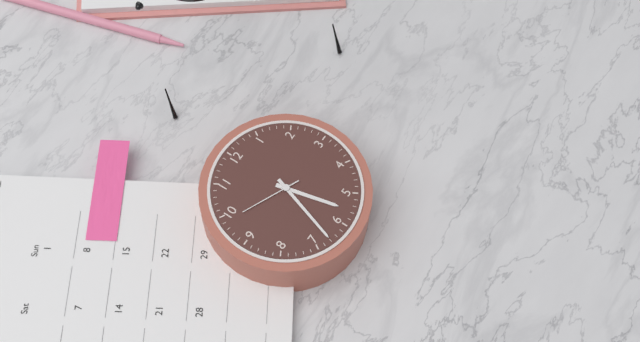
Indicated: 5,33,49
